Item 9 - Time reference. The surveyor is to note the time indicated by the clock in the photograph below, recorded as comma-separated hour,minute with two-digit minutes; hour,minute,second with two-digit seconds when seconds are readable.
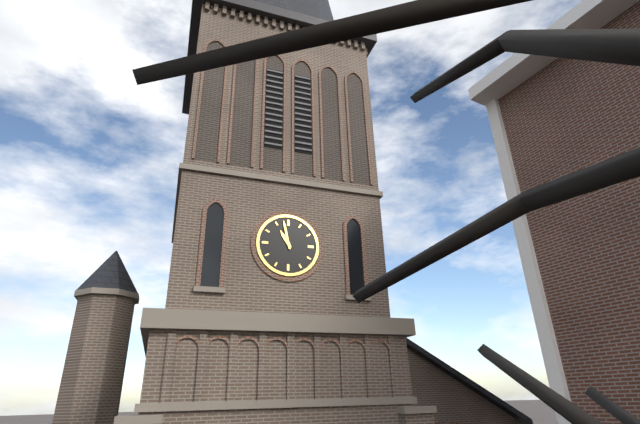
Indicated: 10,58
